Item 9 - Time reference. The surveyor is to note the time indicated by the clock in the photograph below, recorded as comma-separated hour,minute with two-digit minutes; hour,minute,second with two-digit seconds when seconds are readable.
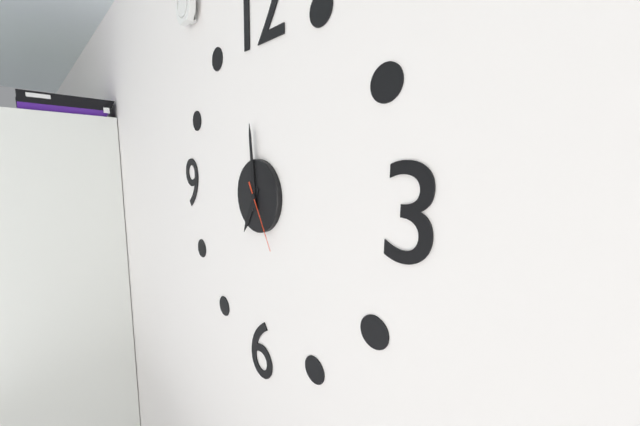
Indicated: 6,59,25
